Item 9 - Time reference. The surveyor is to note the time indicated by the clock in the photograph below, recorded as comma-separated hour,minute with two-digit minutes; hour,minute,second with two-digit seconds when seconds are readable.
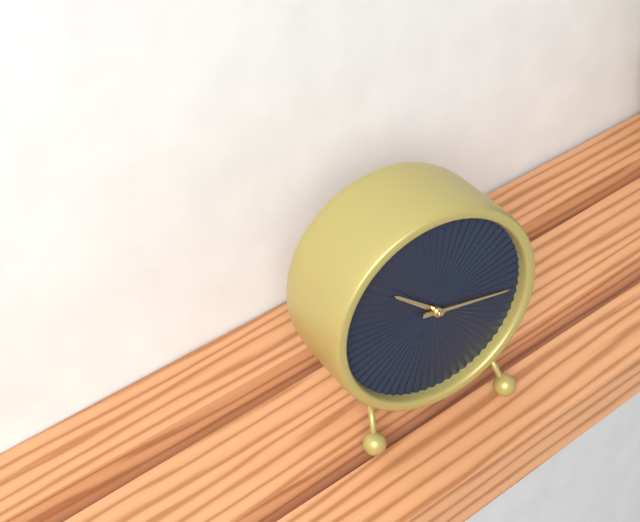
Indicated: 10,16
